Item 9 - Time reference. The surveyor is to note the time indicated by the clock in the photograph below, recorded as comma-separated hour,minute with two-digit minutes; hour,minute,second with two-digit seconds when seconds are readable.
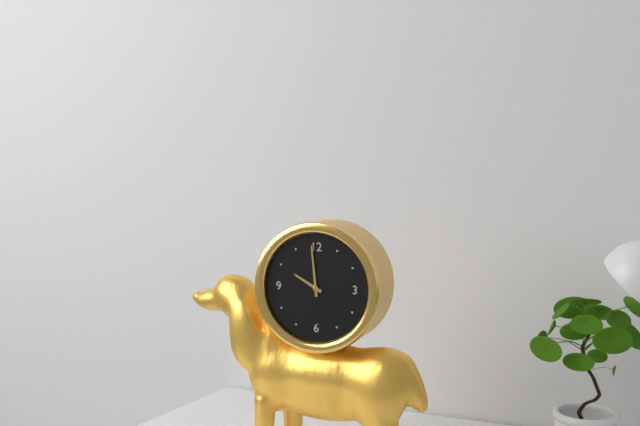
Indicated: 9,59
